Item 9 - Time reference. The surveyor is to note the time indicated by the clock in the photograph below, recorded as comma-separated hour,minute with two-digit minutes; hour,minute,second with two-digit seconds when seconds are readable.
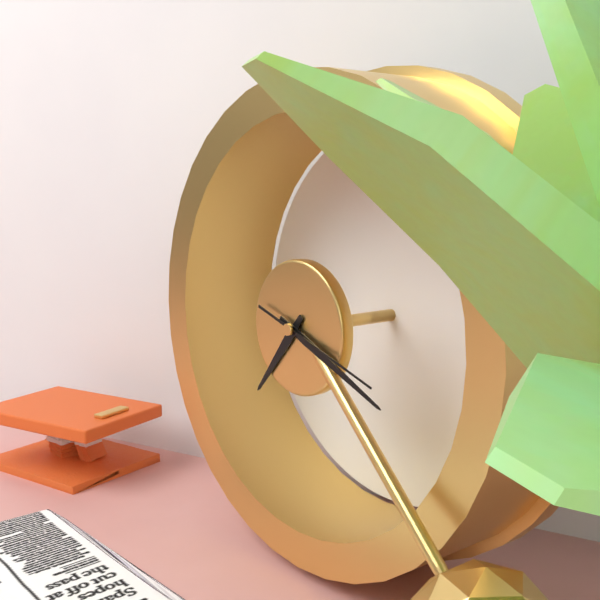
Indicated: 7,19,18
